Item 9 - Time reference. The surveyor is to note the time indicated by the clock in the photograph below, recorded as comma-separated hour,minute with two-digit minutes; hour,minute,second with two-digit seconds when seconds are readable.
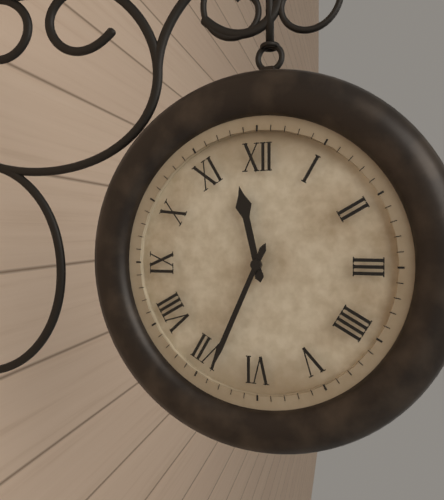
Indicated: 11,34
